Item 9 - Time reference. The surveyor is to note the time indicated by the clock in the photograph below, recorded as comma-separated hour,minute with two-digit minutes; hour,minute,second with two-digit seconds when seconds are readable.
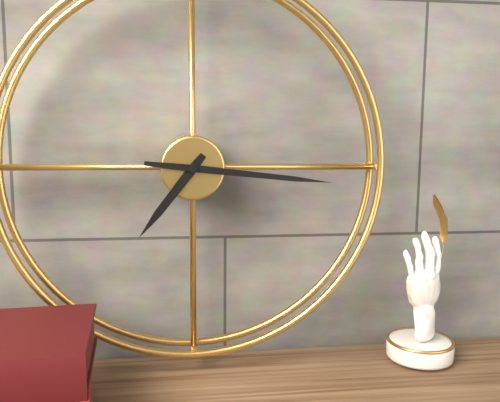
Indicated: 7,16
